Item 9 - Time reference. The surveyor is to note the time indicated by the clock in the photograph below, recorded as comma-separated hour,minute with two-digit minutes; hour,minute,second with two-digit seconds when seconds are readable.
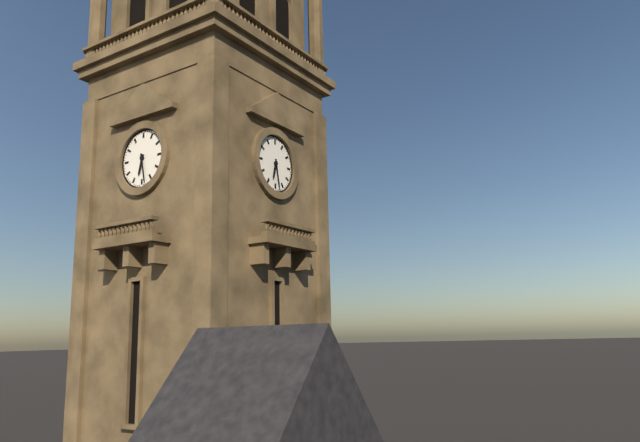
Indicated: 6,28
